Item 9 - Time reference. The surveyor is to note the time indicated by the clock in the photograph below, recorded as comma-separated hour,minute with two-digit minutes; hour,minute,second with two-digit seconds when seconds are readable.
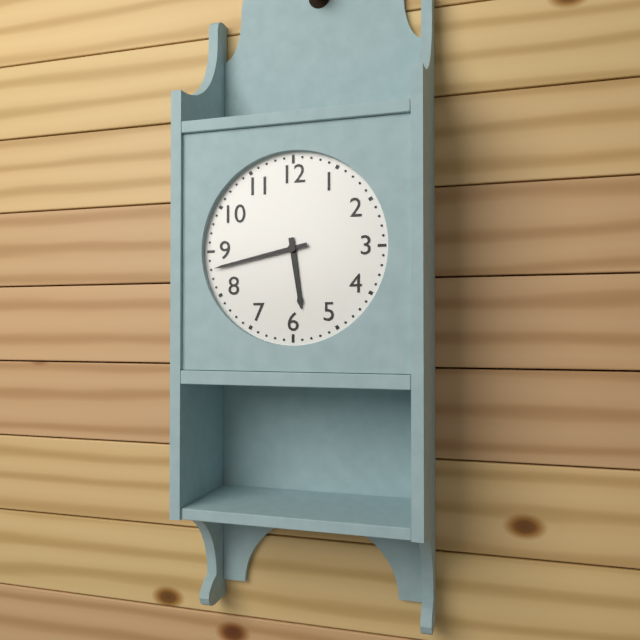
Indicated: 5,43
